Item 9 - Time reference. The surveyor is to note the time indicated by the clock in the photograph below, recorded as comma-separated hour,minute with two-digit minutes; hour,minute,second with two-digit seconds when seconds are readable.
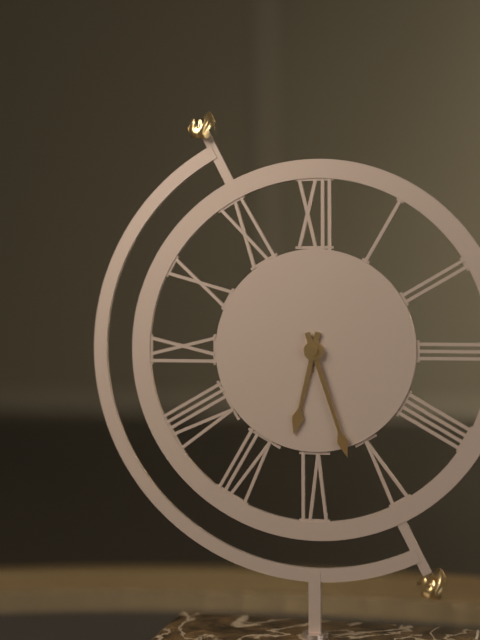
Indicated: 6,27
